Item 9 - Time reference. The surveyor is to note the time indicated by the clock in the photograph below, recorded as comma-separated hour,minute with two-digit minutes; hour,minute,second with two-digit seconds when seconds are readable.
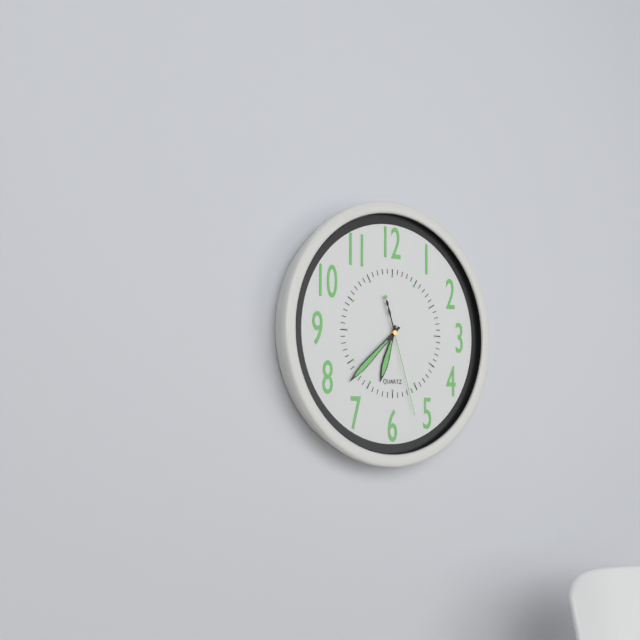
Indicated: 6,38,27
